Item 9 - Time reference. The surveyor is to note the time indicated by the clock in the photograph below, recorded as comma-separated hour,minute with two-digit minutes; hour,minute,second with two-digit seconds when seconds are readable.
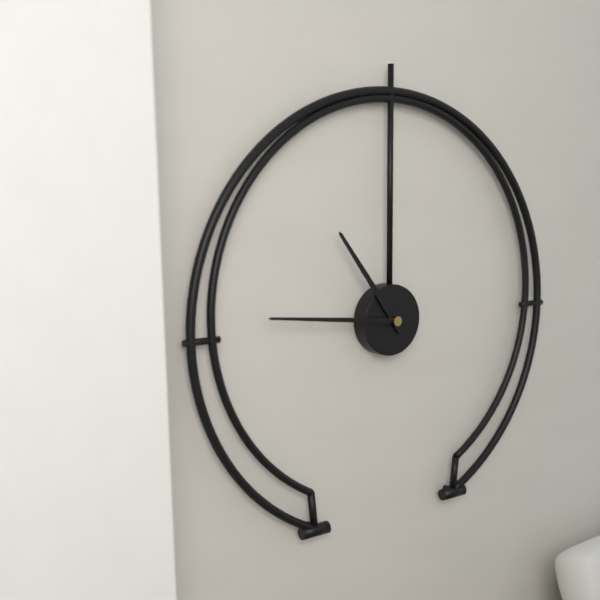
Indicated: 10,46
